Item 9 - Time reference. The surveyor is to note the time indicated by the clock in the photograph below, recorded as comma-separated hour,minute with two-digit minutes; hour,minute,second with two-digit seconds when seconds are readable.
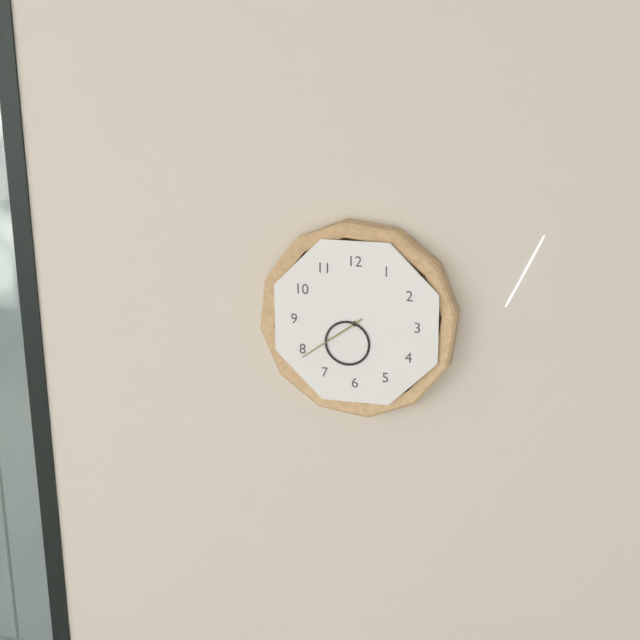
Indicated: 6,39
